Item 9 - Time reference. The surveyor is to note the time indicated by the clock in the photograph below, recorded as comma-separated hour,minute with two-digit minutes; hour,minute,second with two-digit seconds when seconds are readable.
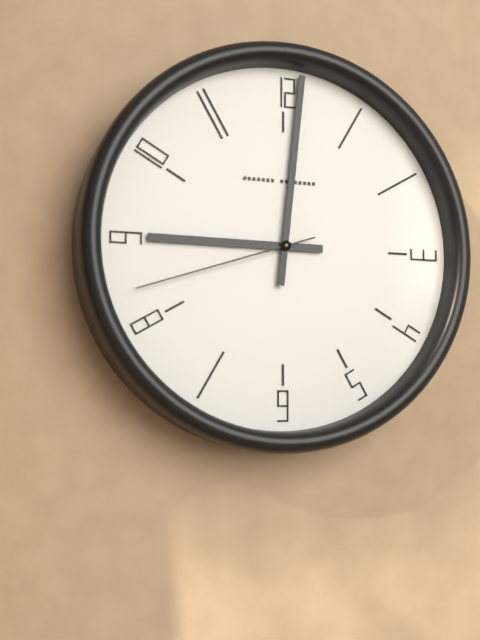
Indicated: 9,01,42
